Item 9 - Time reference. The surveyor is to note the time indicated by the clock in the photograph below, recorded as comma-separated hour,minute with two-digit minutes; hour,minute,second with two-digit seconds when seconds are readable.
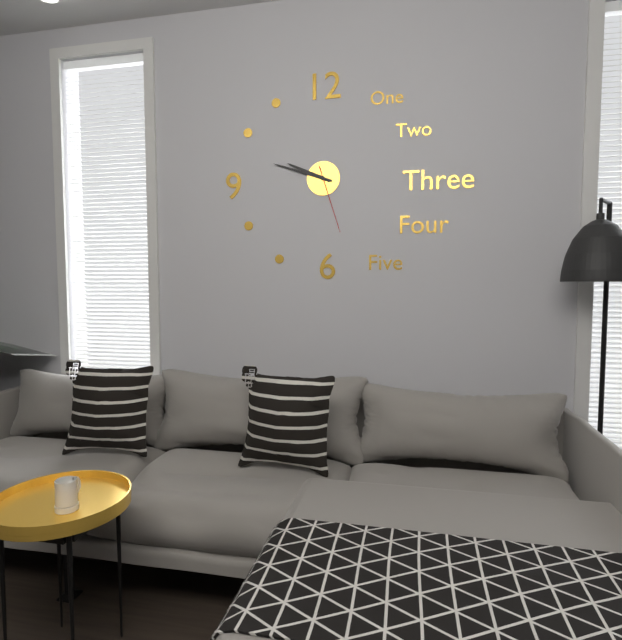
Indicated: 9,48,27
